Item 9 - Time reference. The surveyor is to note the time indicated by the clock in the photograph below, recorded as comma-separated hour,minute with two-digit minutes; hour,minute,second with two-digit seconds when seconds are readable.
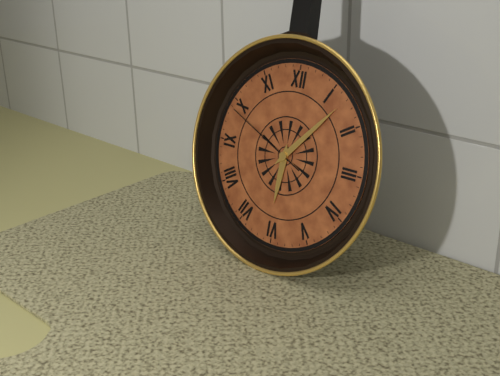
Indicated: 6,07,49
